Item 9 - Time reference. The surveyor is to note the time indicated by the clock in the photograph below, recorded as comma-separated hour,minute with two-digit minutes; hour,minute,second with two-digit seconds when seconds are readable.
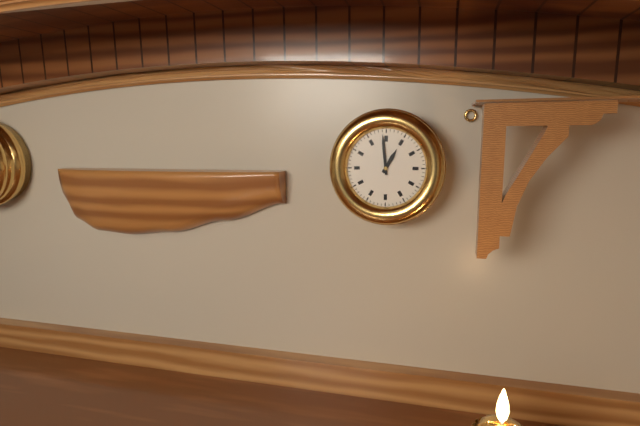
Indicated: 12,59
